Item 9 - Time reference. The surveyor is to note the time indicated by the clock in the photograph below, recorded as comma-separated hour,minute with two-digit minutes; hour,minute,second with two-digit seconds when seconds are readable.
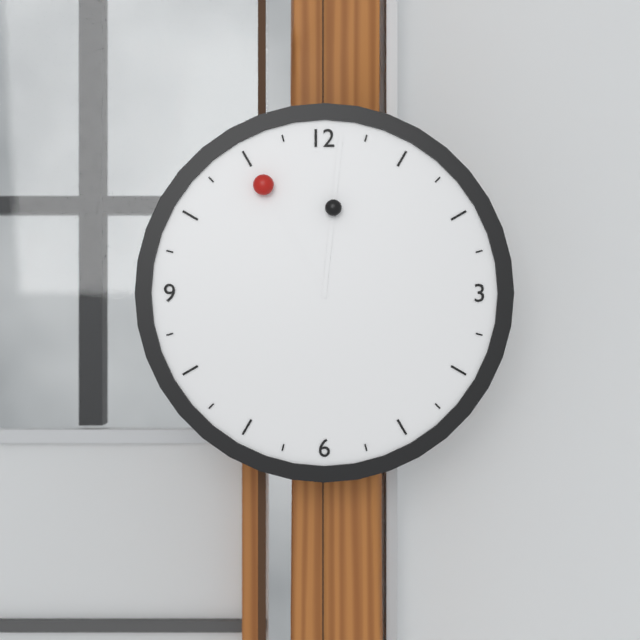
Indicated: 11,01
